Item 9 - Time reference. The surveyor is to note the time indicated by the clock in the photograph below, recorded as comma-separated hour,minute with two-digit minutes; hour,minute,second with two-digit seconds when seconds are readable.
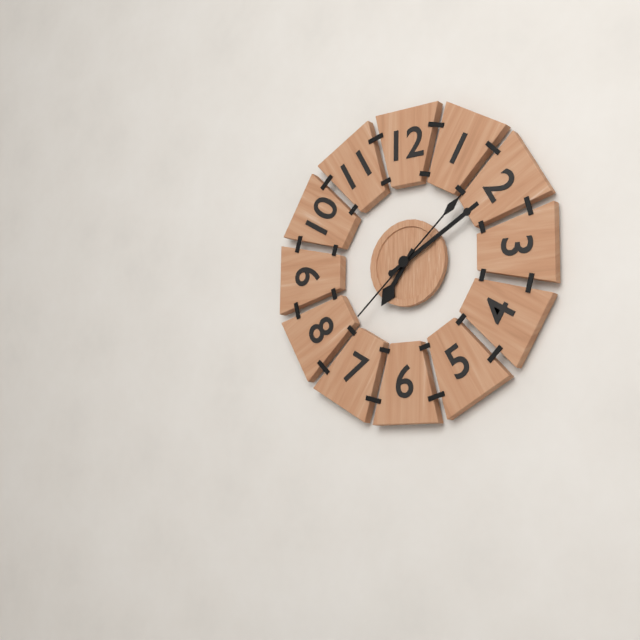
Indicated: 7,10,08
